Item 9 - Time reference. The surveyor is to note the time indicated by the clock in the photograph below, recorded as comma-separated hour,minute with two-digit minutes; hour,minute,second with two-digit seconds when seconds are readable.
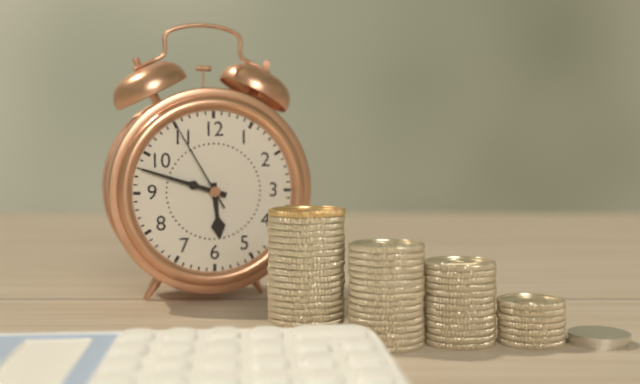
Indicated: 5,48,55
